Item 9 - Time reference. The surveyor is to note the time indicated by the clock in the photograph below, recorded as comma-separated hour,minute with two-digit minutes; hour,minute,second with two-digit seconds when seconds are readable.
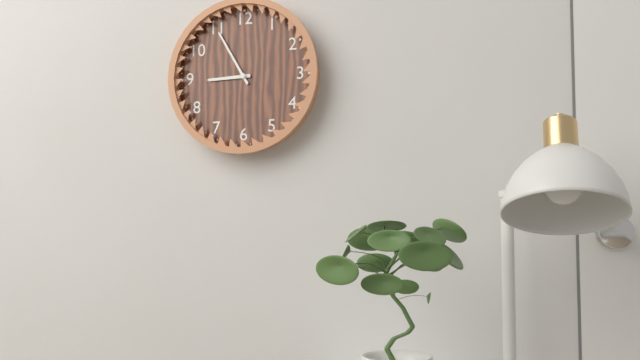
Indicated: 8,55
